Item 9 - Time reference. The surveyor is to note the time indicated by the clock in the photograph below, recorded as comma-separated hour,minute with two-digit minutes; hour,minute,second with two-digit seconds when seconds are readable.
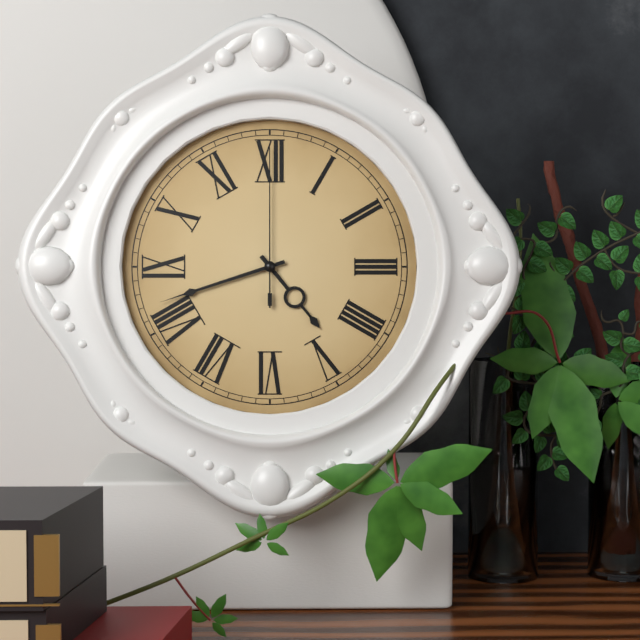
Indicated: 4,42,00
